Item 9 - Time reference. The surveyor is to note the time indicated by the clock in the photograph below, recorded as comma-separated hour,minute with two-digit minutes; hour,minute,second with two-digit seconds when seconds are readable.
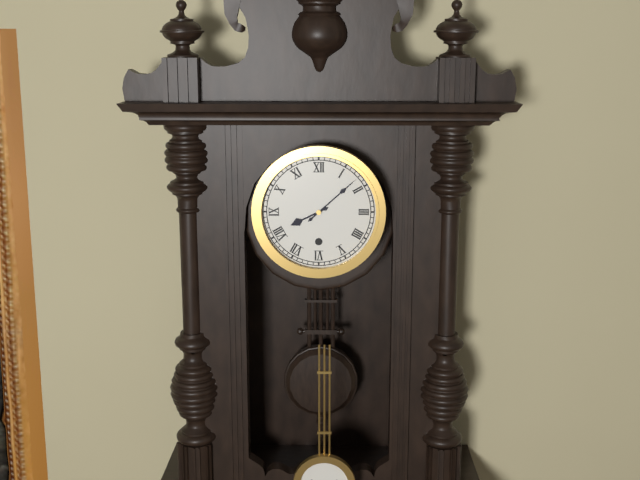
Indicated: 8,08
